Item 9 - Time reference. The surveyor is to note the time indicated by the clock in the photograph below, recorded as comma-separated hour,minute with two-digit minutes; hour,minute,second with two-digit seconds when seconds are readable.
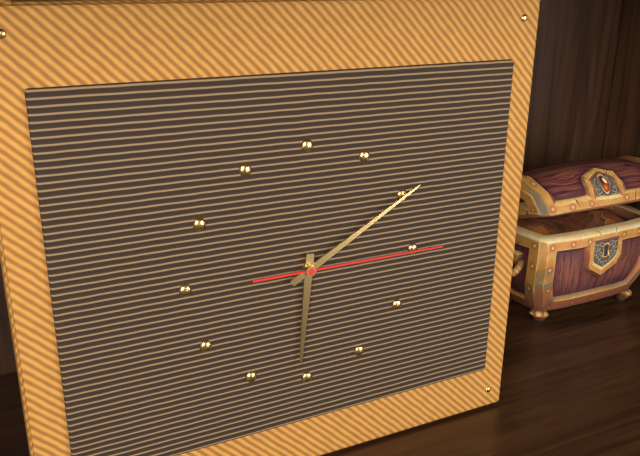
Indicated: 6,10,15
